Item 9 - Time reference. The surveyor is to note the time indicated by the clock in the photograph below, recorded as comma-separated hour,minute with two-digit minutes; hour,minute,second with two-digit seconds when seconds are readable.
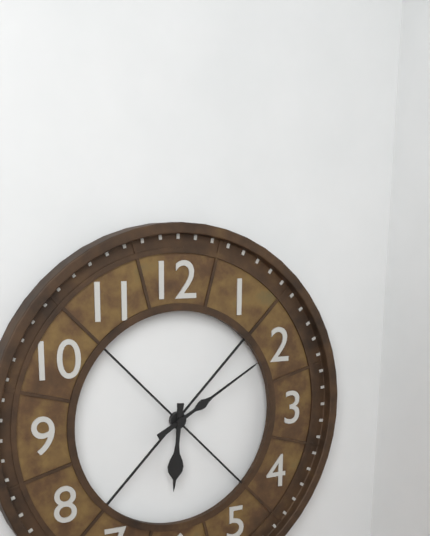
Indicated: 6,10
